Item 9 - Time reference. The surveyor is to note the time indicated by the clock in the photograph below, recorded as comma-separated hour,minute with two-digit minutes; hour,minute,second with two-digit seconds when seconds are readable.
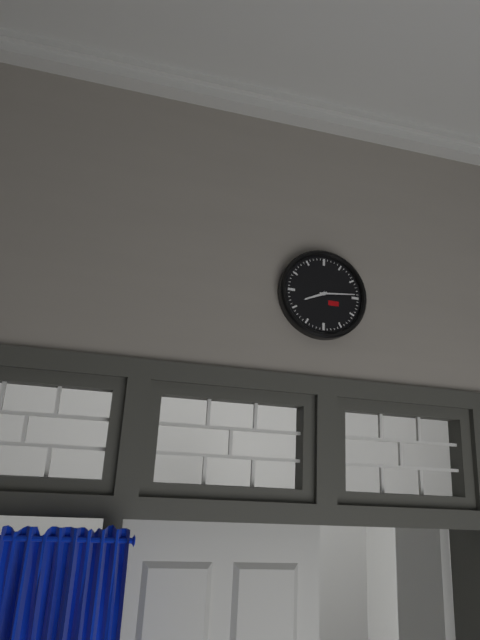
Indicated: 8,14
